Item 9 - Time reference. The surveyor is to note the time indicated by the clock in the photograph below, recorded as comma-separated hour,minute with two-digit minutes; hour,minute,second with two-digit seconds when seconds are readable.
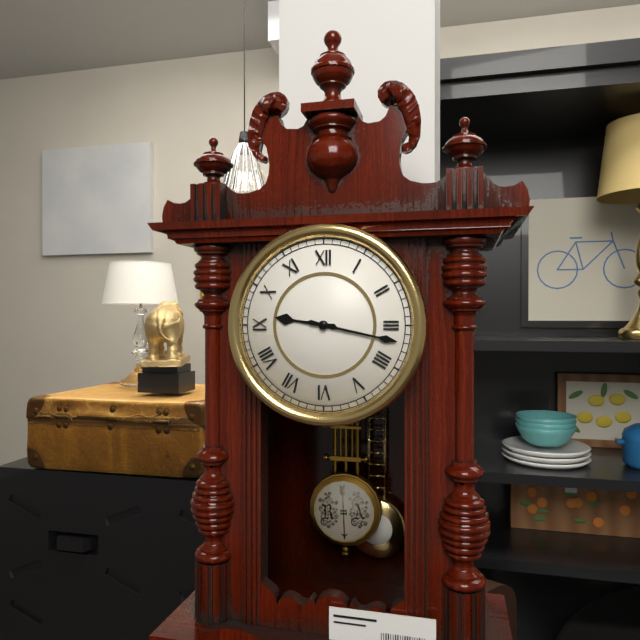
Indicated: 9,17
